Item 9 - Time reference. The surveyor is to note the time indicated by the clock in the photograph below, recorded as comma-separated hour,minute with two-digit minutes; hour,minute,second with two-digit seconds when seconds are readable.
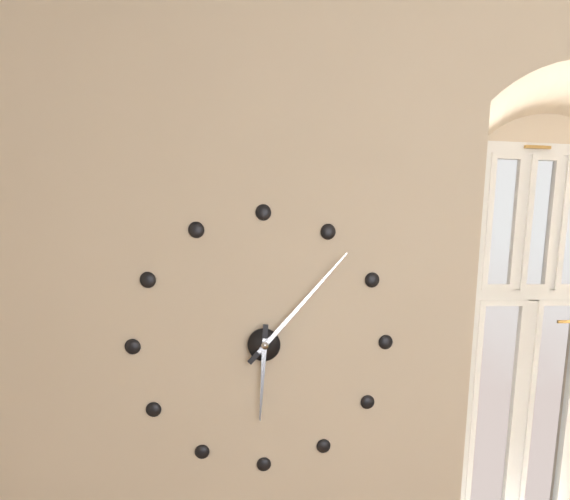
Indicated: 6,07
